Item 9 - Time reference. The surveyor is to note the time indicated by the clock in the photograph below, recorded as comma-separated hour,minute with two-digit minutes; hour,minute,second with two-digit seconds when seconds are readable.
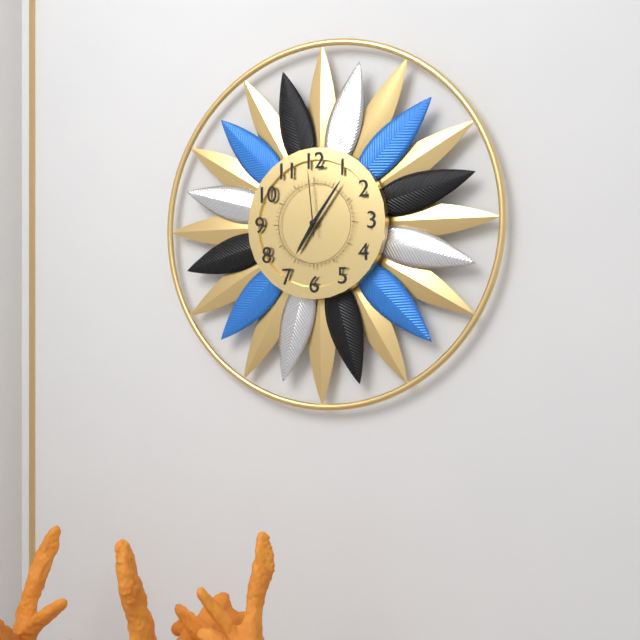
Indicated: 7,06,59
